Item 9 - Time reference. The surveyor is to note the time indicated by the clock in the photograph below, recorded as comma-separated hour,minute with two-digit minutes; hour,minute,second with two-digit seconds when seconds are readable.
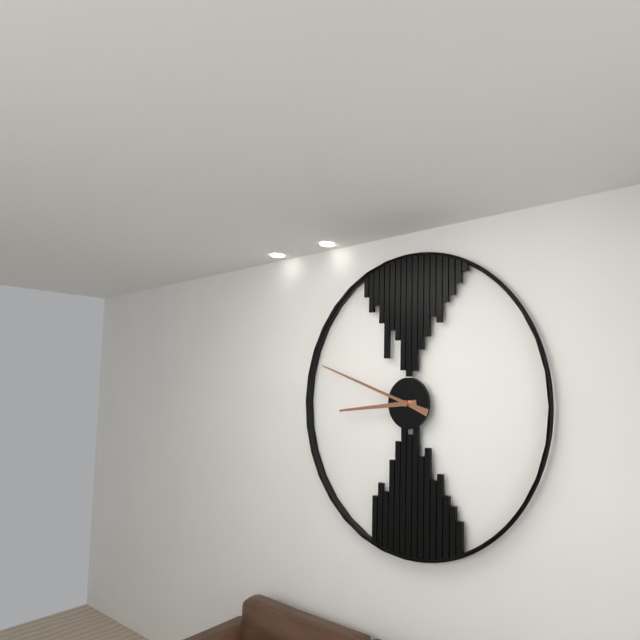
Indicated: 8,48
